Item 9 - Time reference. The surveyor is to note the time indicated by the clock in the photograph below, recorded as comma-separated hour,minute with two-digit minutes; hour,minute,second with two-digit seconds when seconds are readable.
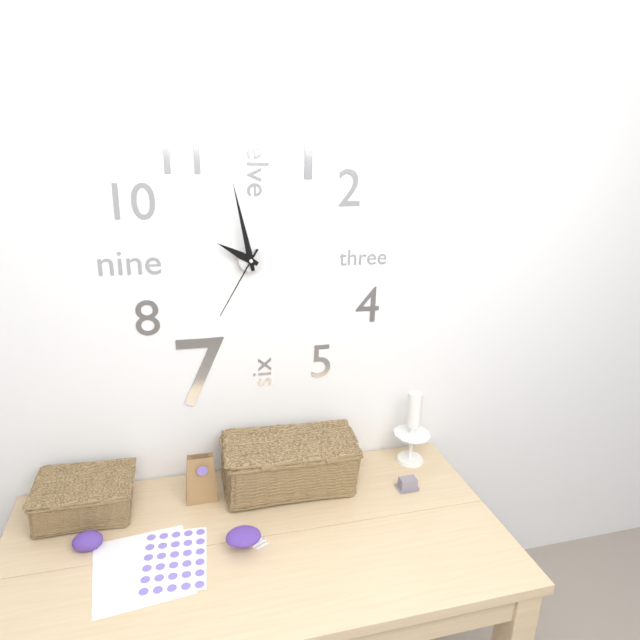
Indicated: 9,58,35
